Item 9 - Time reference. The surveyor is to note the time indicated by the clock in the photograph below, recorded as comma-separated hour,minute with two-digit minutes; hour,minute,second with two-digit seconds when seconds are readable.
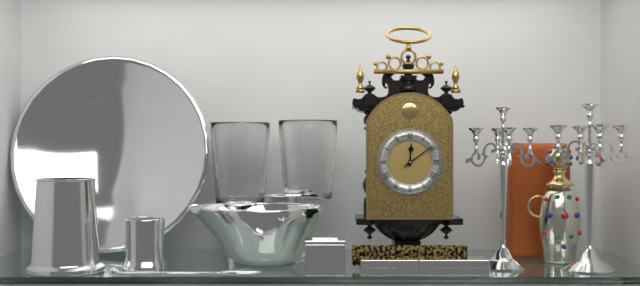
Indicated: 12,09
